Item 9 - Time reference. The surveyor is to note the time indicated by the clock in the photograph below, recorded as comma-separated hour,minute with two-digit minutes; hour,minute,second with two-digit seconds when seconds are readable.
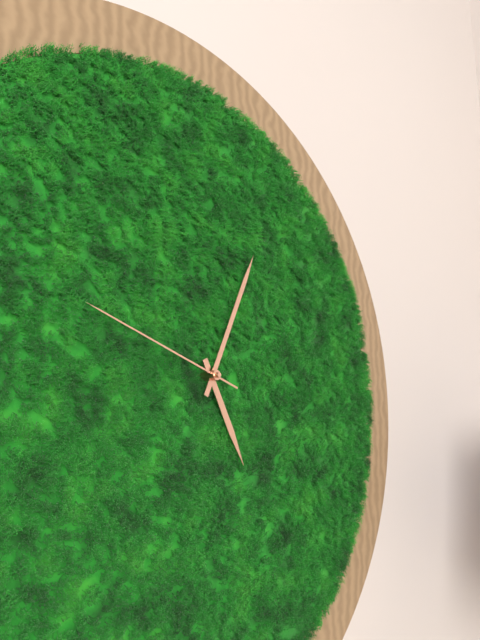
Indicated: 5,04,48
